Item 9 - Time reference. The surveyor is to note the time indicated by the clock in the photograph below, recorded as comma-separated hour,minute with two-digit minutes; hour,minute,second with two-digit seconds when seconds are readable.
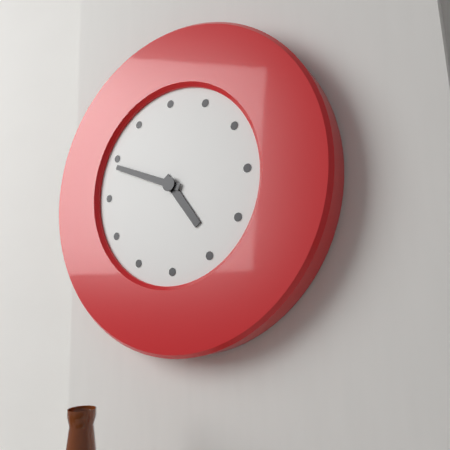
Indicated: 4,49
